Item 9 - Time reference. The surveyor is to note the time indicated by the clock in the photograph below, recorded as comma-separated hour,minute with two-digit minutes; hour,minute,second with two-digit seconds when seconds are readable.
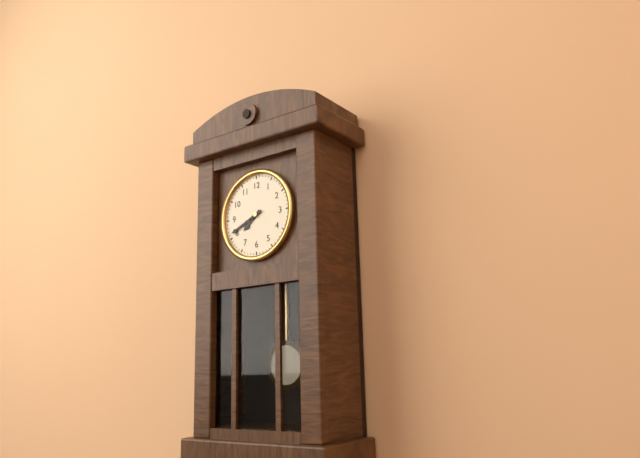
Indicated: 7,41
